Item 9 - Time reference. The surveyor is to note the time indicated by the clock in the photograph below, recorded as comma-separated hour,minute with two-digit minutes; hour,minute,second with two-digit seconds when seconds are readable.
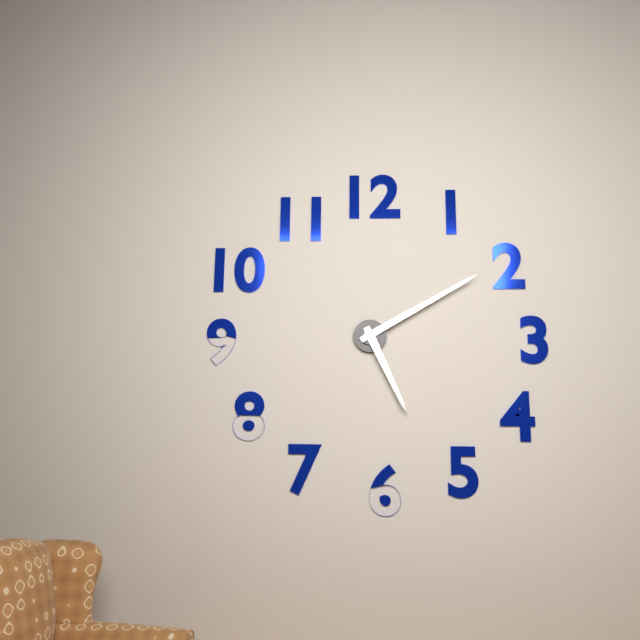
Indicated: 5,10
